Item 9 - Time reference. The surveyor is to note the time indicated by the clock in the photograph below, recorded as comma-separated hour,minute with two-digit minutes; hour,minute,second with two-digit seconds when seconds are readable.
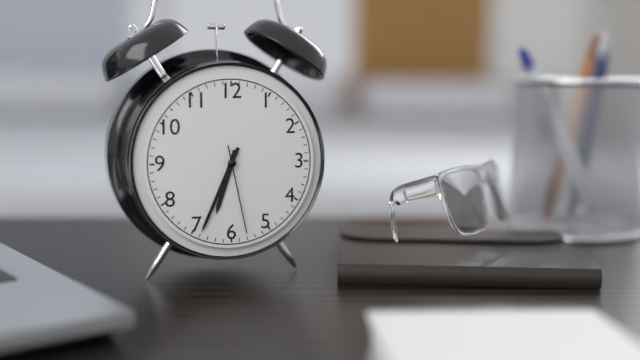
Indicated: 6,34,28
